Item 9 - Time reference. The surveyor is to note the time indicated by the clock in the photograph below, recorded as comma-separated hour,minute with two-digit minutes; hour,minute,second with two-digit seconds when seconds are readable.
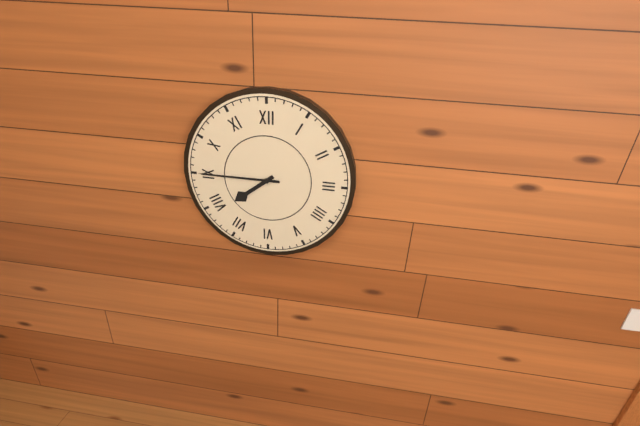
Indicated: 7,45
